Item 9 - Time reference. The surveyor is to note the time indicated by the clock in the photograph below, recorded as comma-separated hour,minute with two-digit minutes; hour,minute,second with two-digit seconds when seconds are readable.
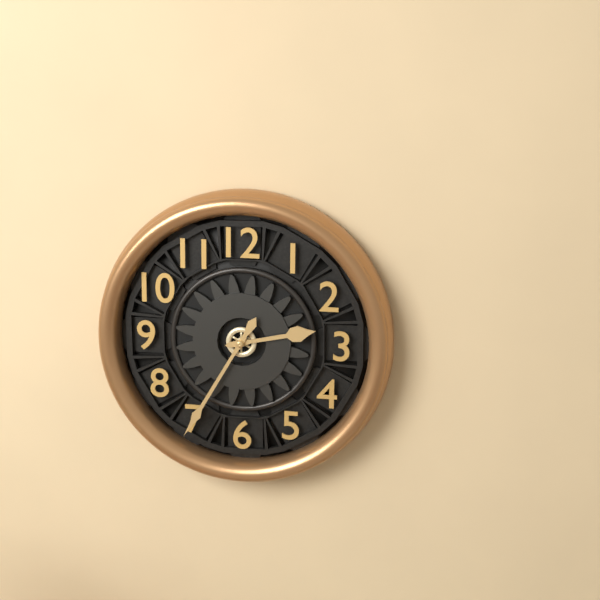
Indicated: 2,35
